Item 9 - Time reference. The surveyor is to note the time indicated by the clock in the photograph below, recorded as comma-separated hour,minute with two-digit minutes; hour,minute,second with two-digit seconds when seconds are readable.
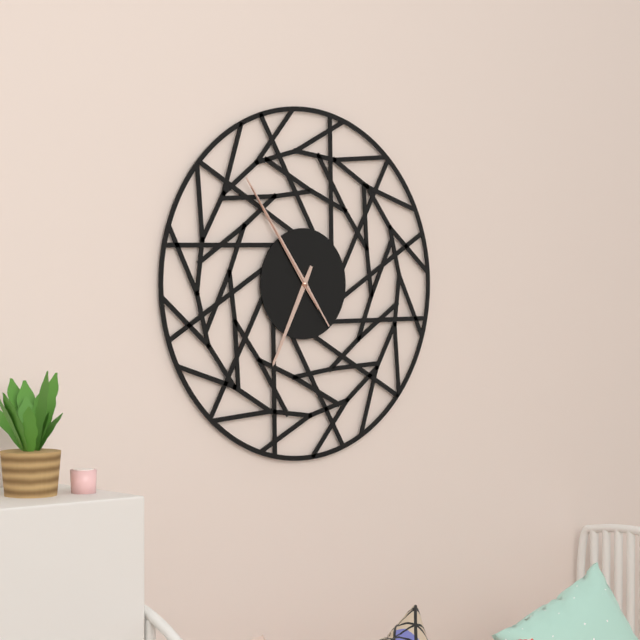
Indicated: 6,54,54
